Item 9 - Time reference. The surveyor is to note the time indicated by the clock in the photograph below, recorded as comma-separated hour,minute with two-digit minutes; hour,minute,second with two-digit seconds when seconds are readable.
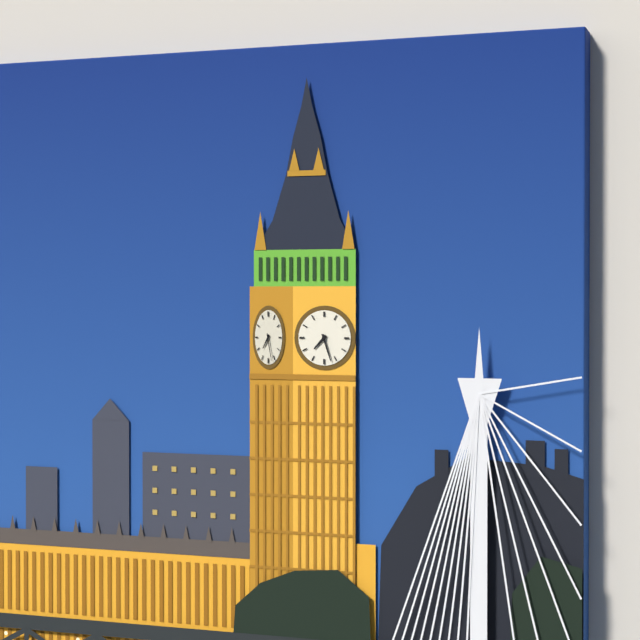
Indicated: 7,27
